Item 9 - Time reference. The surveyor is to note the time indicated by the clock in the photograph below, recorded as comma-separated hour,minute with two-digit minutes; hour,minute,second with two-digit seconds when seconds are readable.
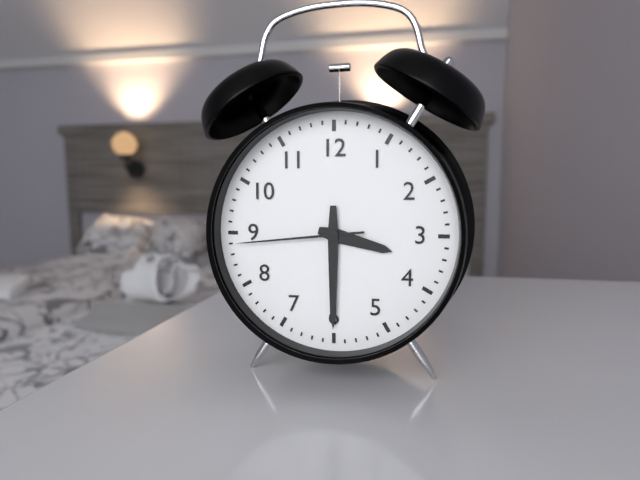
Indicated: 3,30,44
